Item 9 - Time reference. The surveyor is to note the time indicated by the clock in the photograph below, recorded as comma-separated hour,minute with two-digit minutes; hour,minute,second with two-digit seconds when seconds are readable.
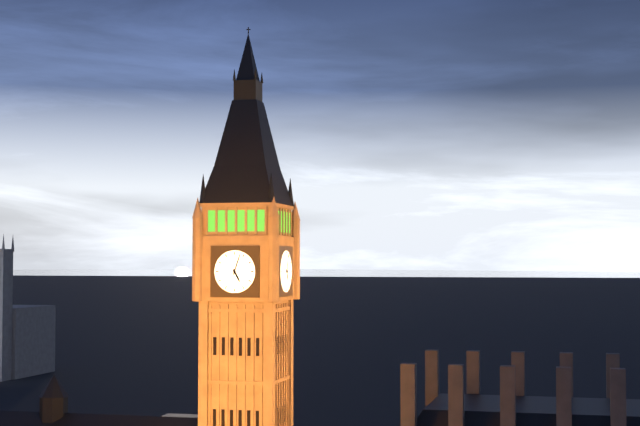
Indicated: 5,03
